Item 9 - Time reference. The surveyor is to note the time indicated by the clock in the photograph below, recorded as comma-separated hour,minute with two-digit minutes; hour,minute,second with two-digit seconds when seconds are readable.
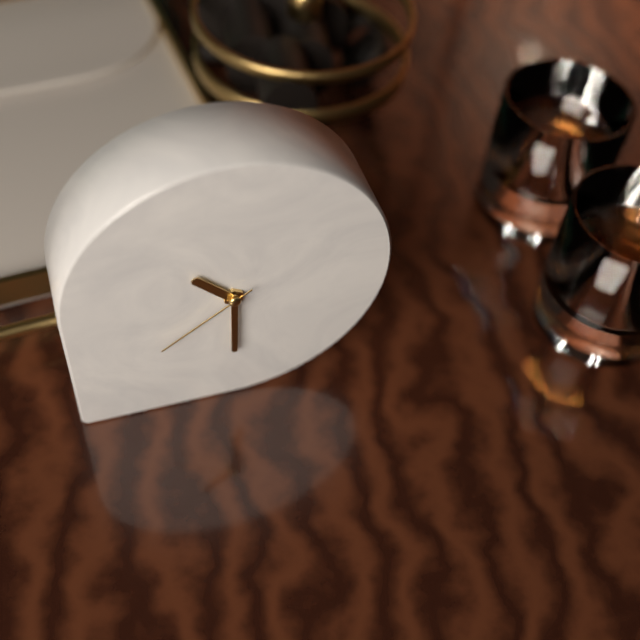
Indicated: 10,30,39
